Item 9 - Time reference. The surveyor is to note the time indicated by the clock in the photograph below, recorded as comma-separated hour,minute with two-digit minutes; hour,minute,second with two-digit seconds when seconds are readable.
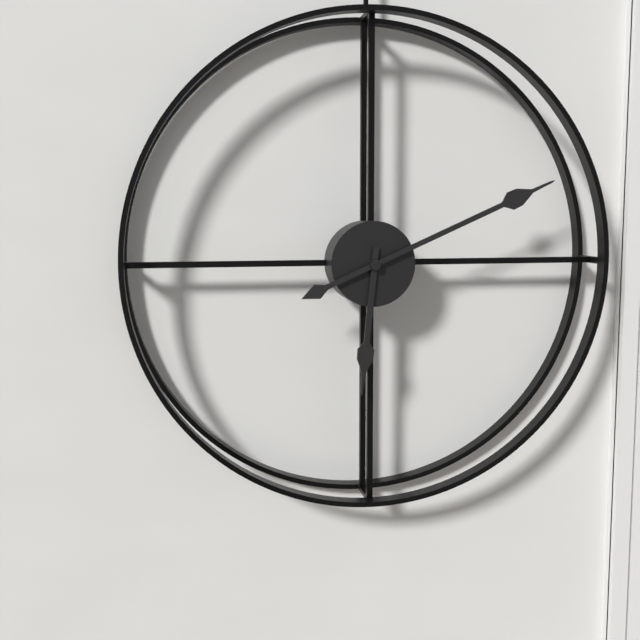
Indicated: 6,11
